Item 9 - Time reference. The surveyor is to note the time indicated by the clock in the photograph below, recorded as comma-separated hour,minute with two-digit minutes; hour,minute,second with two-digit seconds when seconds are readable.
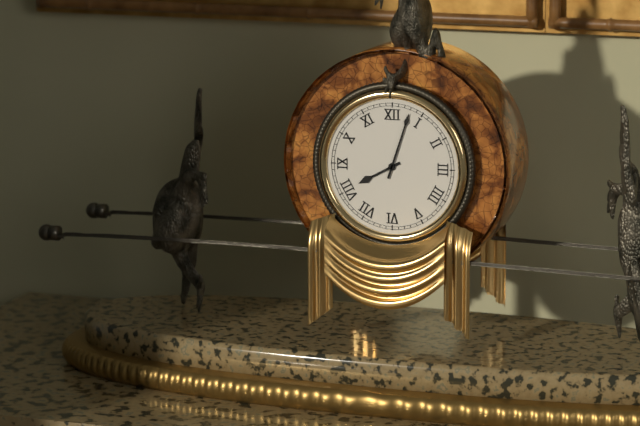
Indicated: 8,03
